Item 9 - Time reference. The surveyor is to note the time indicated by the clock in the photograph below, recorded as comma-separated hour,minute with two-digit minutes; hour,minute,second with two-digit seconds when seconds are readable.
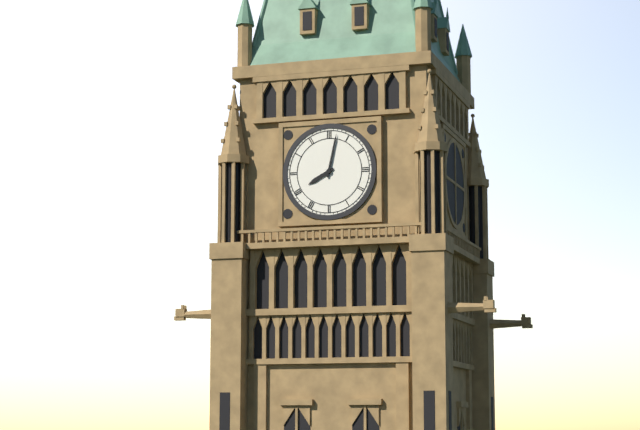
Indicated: 8,02
